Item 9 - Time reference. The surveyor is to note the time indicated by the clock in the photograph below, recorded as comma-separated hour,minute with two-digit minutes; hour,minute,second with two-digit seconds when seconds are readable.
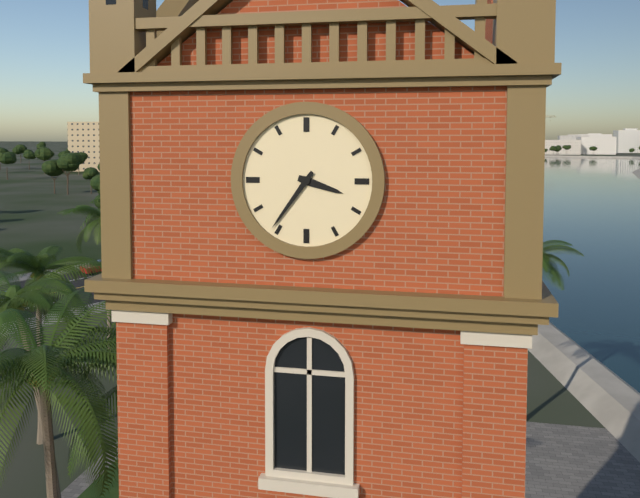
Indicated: 3,36
